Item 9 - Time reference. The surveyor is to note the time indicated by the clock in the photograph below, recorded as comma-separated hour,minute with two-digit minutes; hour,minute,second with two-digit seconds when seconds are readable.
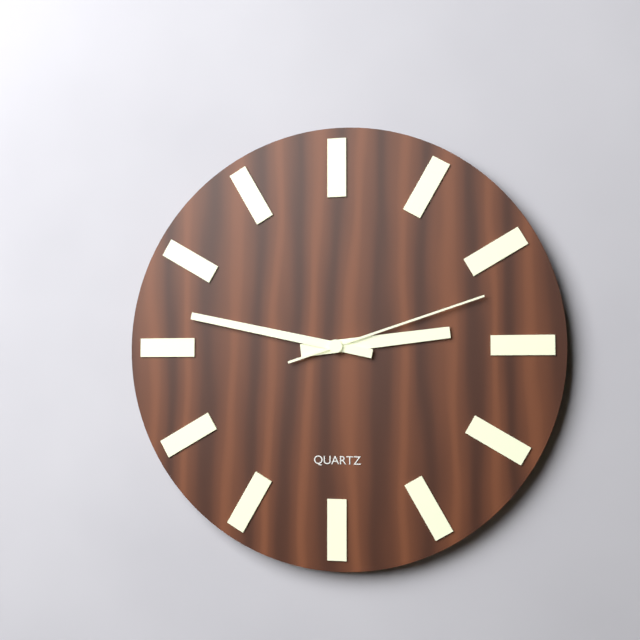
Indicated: 2,47,12
